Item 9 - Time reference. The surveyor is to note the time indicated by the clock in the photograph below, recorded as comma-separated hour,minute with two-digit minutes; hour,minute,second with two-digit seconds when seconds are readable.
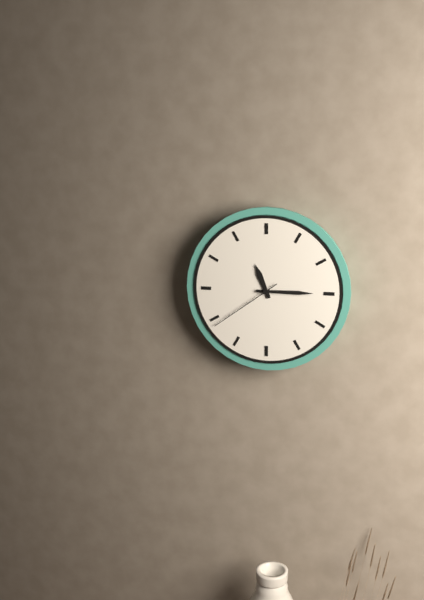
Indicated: 11,15,39
